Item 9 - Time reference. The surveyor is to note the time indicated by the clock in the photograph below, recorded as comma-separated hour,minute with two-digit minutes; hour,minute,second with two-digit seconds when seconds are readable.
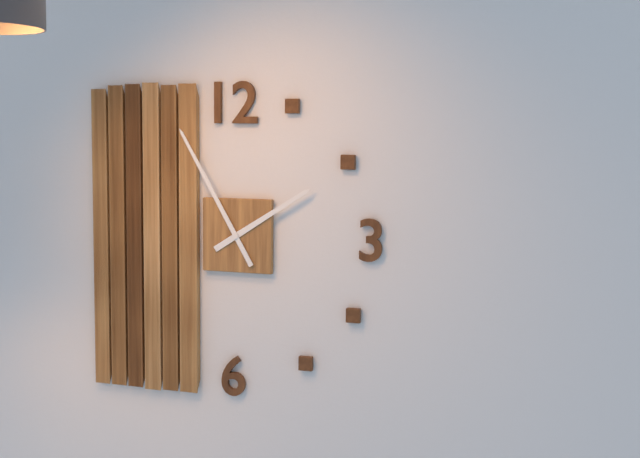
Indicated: 1,55
